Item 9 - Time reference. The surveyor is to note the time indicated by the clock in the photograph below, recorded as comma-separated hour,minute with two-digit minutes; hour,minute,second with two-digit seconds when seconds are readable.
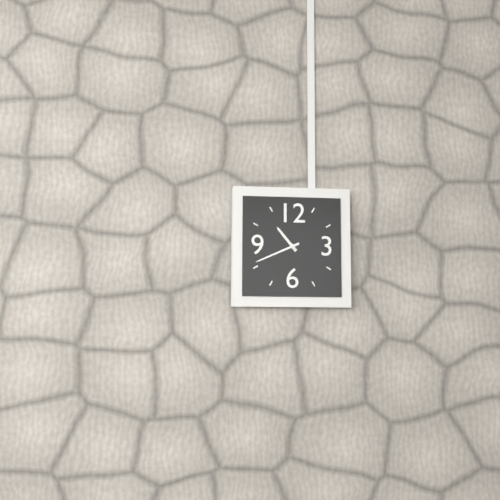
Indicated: 10,41
